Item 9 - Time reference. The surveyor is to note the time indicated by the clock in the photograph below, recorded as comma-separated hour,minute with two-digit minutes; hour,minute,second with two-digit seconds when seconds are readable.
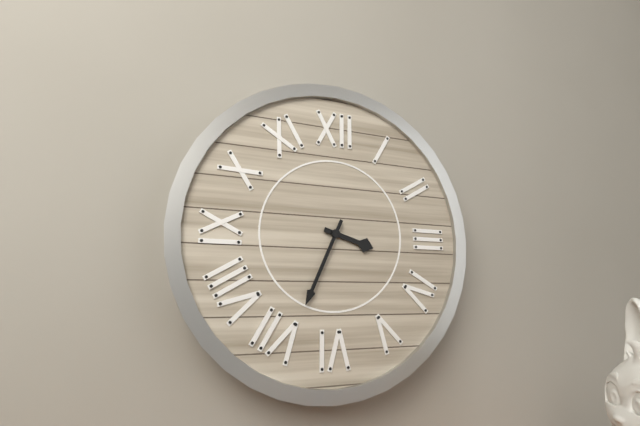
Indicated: 3,34
